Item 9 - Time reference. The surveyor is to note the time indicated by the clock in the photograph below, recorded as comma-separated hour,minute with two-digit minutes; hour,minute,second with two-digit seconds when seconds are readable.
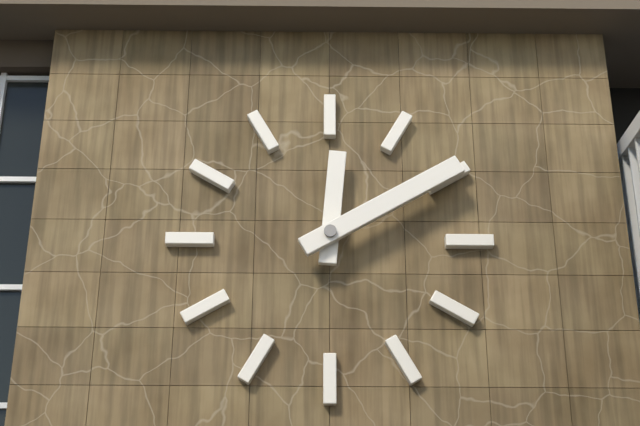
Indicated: 12,10
